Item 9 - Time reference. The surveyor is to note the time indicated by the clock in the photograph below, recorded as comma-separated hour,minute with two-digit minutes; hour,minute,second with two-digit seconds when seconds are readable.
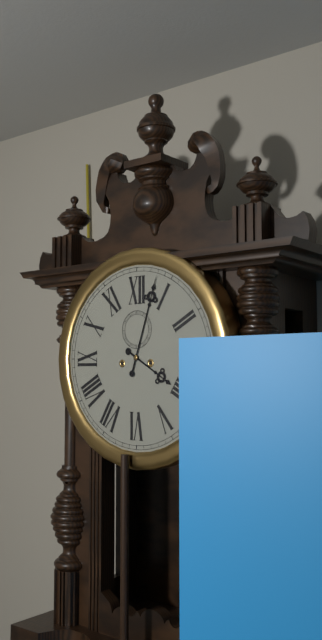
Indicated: 4,03
